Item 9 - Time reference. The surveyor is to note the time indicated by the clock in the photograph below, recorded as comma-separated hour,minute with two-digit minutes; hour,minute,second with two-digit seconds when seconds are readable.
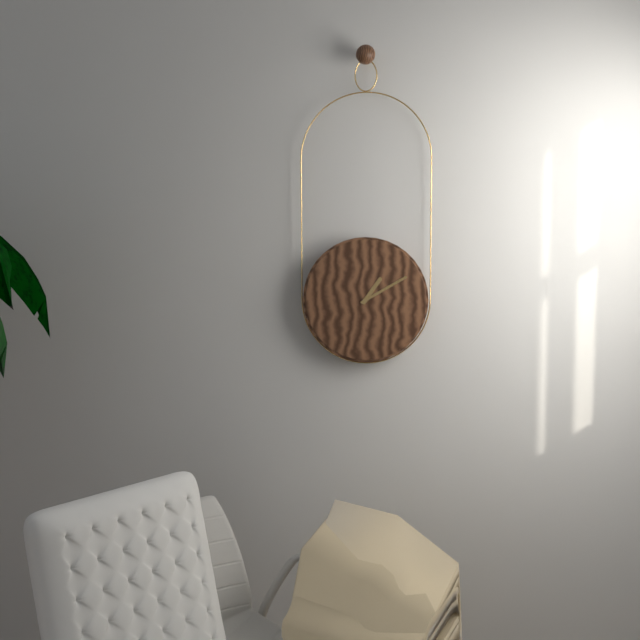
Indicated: 1,10
